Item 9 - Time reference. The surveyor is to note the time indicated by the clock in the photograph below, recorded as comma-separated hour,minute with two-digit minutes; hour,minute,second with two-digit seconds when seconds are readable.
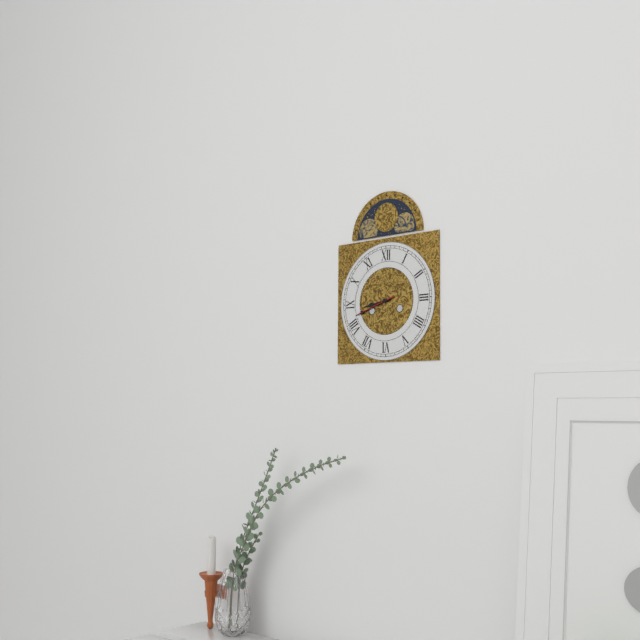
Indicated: 8,42
